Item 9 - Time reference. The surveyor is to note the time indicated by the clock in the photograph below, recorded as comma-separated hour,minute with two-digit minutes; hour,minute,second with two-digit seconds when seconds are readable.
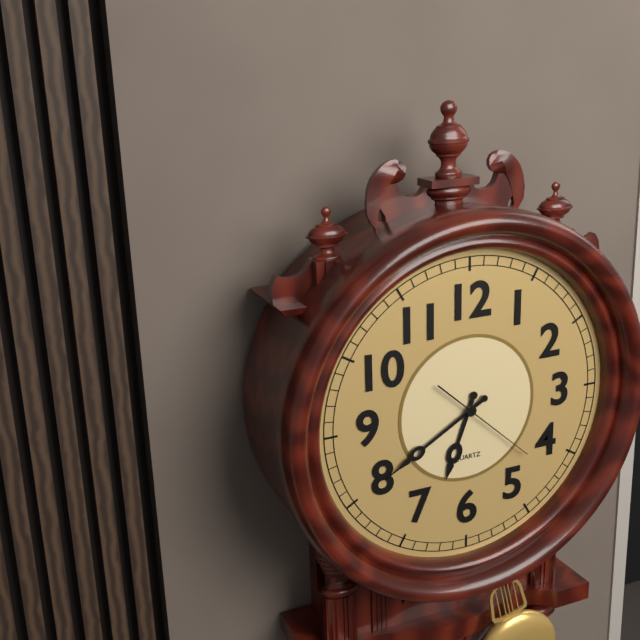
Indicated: 6,40,22
